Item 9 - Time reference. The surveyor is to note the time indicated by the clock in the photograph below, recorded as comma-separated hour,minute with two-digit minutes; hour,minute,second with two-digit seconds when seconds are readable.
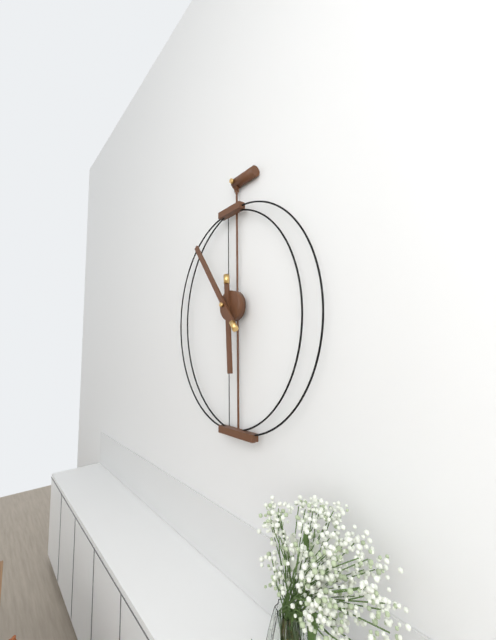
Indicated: 5,54
